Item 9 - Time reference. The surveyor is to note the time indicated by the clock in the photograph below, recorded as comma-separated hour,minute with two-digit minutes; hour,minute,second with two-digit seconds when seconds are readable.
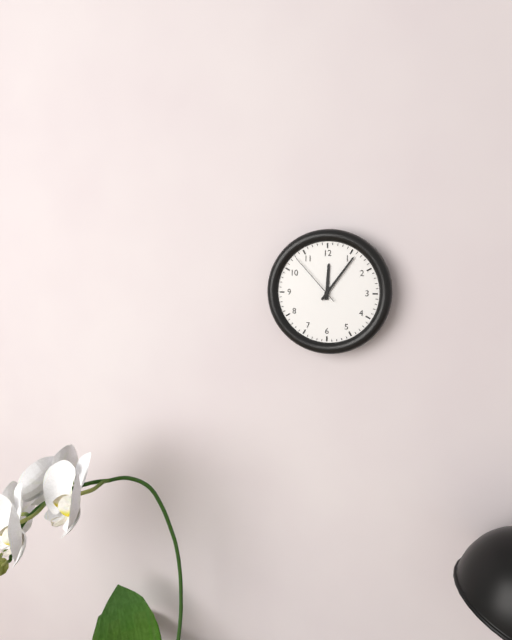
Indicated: 12,06,53
